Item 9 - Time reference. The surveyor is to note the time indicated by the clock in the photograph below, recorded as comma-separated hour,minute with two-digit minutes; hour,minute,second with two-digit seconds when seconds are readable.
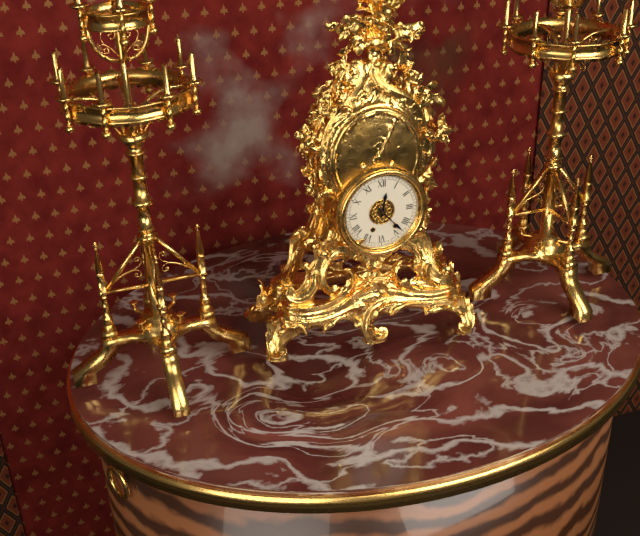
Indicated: 12,23
